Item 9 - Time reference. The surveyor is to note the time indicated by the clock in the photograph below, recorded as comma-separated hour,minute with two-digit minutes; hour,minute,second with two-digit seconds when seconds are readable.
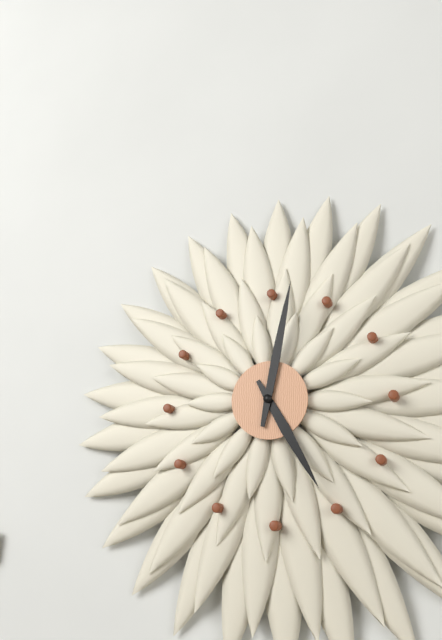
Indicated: 5,02
